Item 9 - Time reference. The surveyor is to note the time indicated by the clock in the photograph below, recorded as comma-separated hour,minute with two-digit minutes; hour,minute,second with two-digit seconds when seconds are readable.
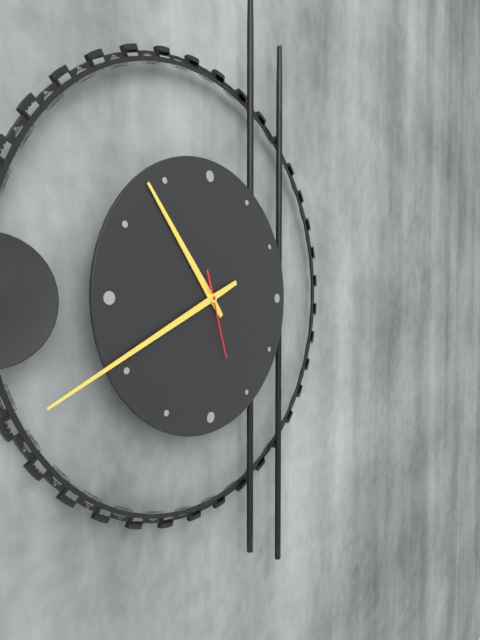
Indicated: 10,41,27
